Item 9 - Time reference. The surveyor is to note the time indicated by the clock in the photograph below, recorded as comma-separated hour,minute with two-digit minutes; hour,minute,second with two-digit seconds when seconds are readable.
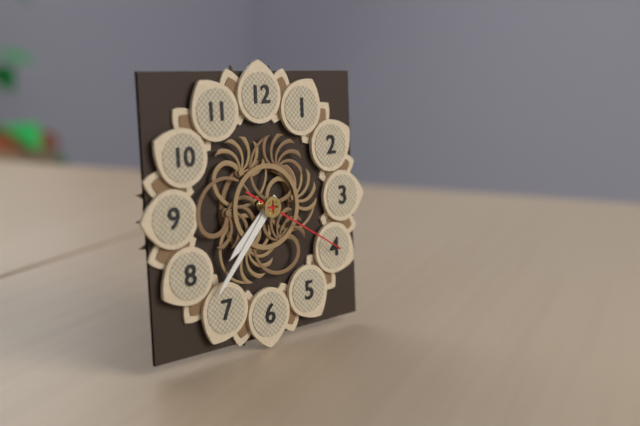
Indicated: 7,37,20
